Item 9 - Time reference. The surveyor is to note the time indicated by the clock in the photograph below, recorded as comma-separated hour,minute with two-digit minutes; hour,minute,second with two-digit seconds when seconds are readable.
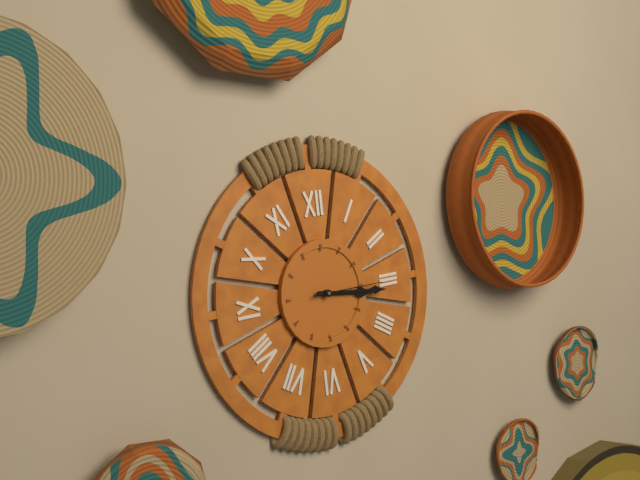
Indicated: 3,16,15
